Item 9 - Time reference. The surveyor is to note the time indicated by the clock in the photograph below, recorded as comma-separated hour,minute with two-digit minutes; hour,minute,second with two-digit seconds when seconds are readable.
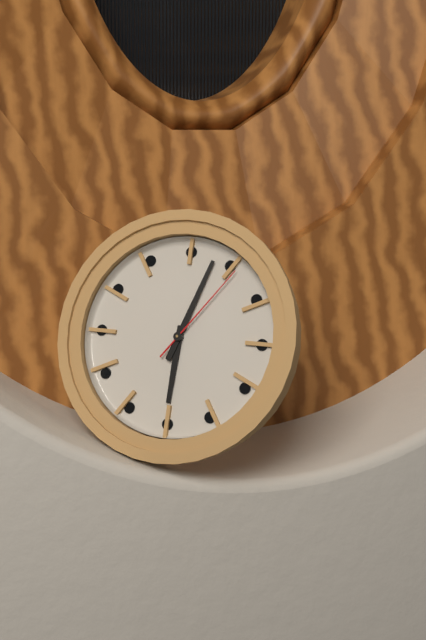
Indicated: 6,03,06
